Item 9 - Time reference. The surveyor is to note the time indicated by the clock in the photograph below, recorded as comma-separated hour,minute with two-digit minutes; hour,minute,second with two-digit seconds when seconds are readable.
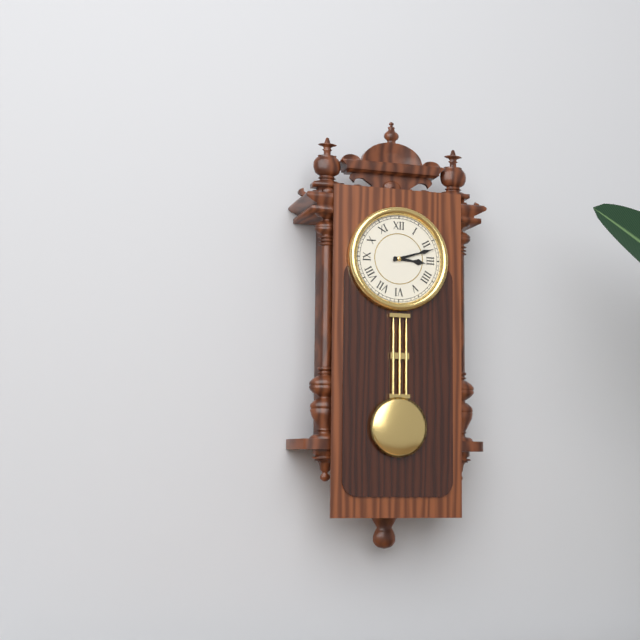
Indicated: 3,12
